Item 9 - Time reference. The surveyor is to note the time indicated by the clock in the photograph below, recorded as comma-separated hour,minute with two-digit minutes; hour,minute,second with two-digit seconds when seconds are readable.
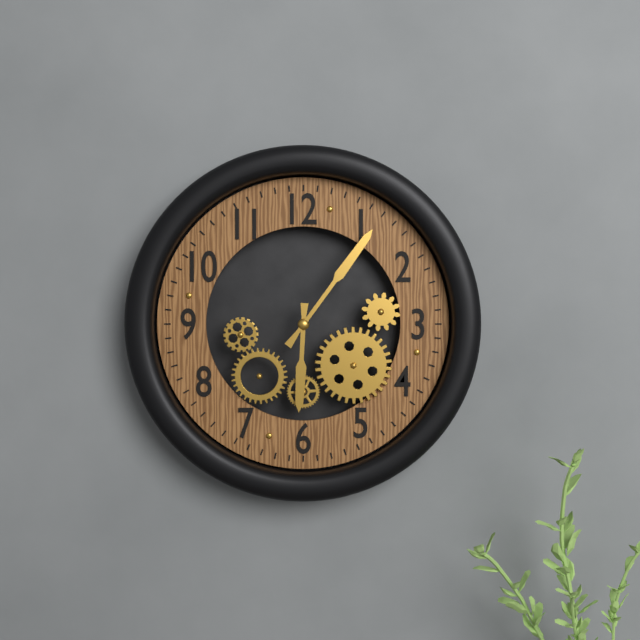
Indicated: 6,06
